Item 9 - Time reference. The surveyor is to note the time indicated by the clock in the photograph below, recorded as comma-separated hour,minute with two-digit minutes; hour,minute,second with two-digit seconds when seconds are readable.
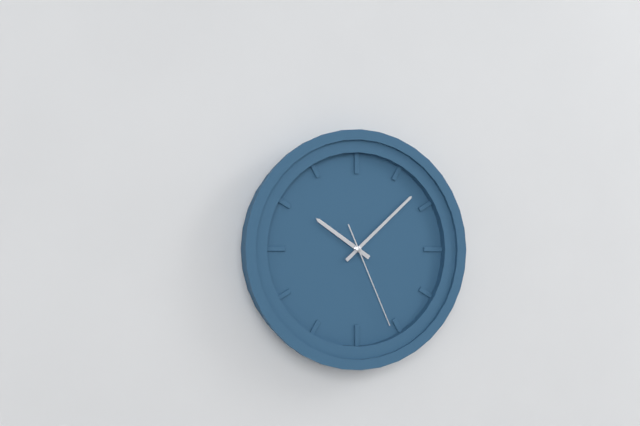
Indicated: 10,08,26
